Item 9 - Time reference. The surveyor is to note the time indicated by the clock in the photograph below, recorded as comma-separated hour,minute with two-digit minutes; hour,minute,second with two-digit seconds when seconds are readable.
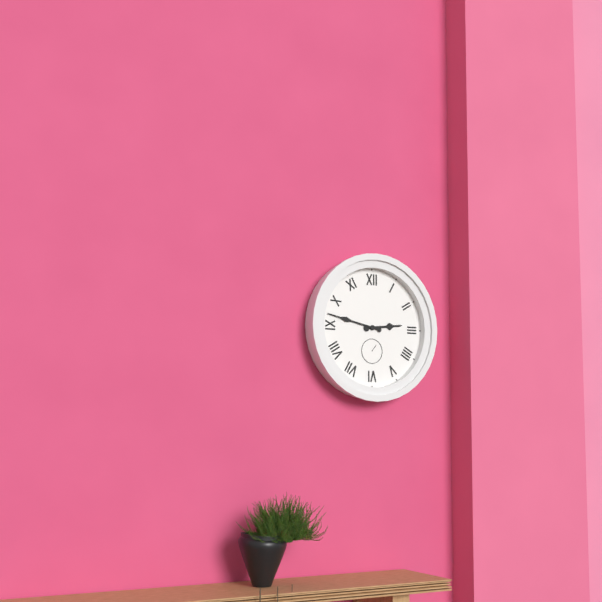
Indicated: 2,47
